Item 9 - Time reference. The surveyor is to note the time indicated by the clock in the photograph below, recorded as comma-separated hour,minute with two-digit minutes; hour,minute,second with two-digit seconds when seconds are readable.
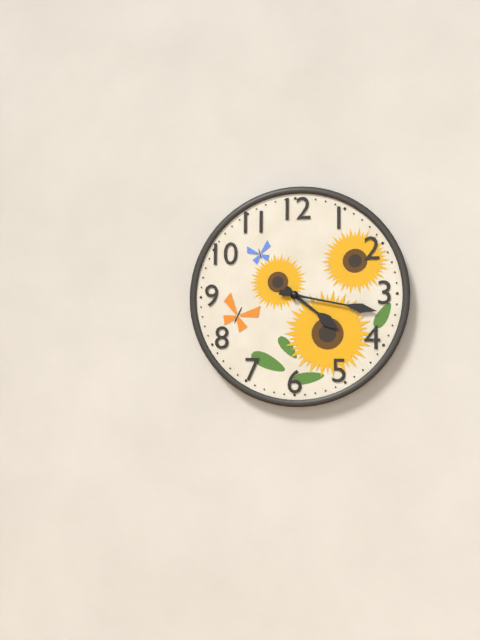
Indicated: 4,17
